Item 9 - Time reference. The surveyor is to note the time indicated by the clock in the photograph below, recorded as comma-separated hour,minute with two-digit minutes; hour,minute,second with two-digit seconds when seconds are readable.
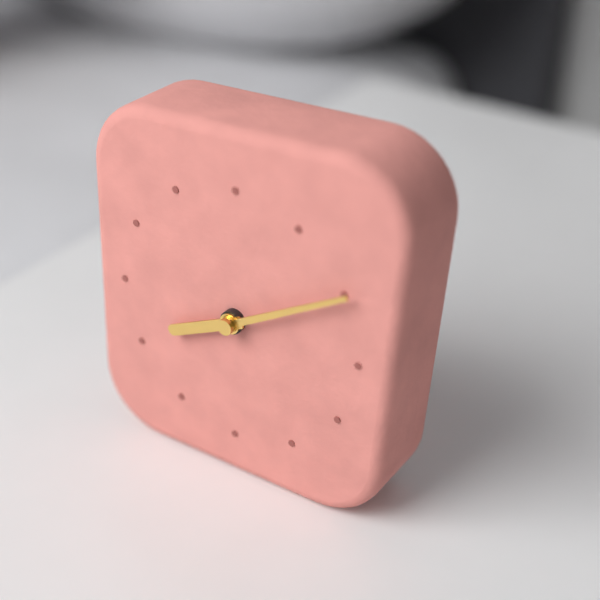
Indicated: 8,10
